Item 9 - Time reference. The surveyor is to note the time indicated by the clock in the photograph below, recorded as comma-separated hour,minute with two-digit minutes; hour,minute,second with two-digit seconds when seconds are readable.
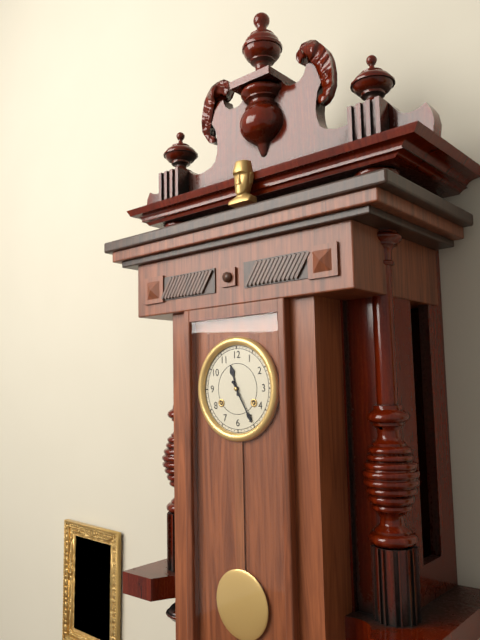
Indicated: 11,25
